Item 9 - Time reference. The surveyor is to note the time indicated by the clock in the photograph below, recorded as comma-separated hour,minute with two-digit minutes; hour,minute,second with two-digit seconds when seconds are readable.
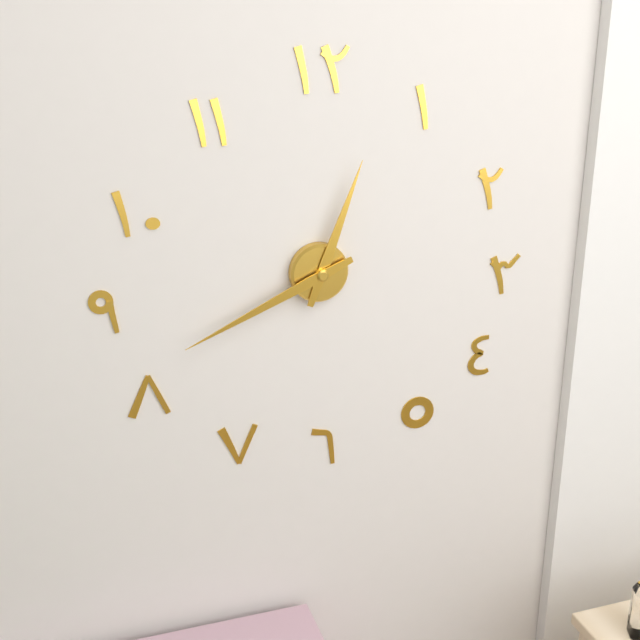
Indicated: 12,41
